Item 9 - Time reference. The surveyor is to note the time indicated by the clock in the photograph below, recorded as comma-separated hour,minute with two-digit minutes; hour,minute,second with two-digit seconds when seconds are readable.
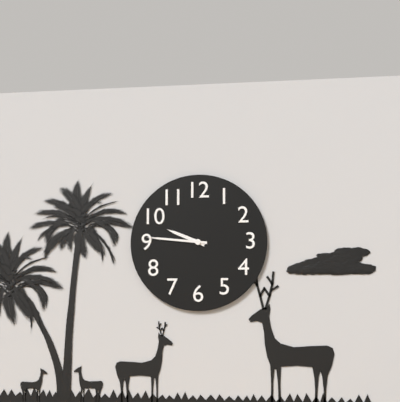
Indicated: 9,46
